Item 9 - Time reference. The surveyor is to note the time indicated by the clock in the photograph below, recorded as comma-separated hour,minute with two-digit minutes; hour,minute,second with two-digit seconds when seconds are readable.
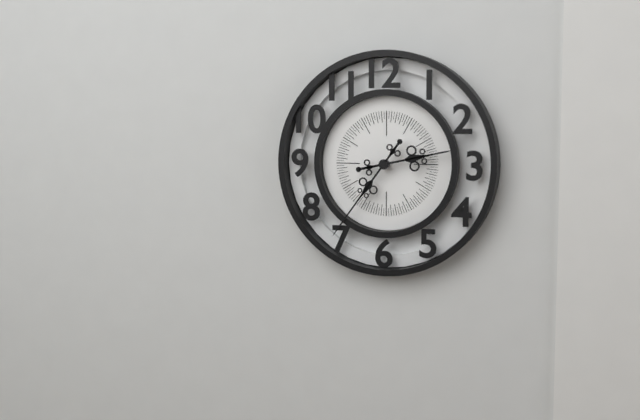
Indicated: 2,36
